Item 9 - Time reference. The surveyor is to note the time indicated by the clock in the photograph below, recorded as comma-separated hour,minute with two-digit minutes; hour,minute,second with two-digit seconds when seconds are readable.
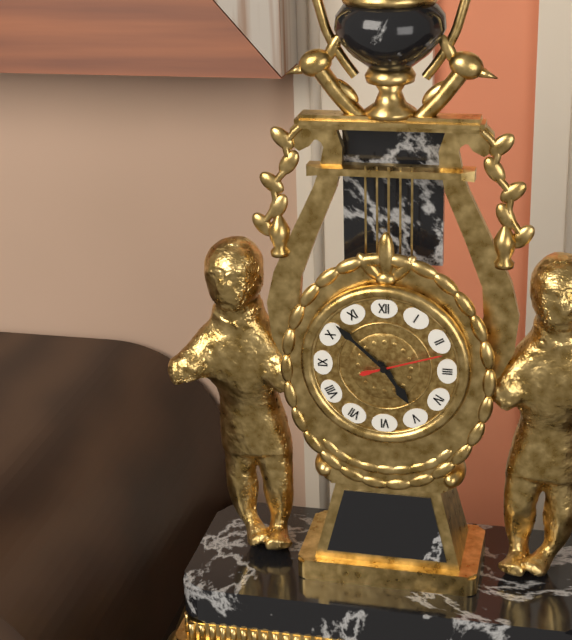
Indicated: 4,52,12
